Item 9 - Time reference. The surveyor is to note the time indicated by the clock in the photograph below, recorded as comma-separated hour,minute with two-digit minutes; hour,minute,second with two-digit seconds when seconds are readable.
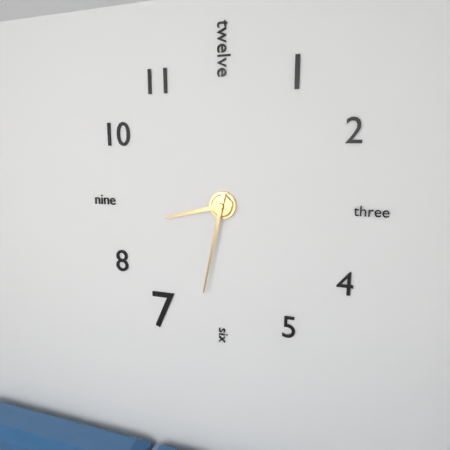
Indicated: 8,32
